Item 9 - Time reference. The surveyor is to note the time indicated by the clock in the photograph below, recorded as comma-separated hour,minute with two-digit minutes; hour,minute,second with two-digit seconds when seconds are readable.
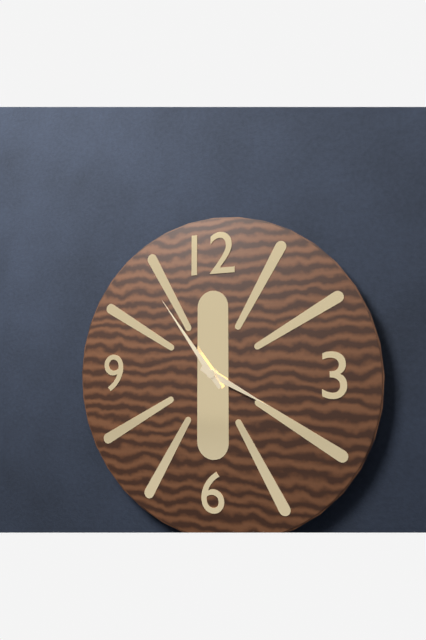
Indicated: 3,54
